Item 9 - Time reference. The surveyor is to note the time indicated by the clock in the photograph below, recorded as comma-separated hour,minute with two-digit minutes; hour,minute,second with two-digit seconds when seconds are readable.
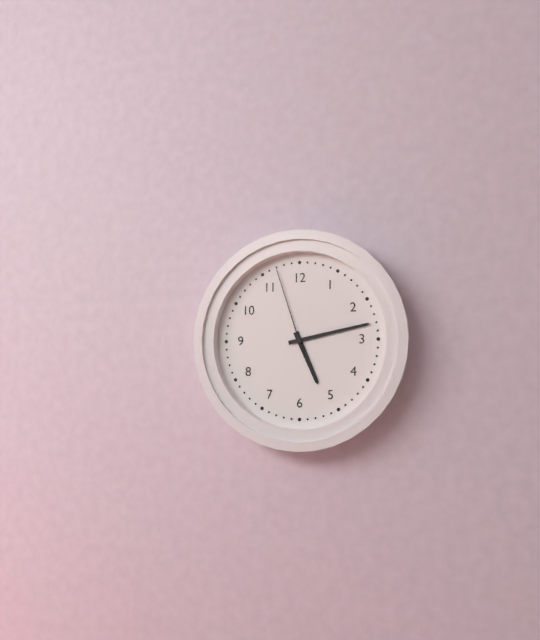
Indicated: 5,13,57
